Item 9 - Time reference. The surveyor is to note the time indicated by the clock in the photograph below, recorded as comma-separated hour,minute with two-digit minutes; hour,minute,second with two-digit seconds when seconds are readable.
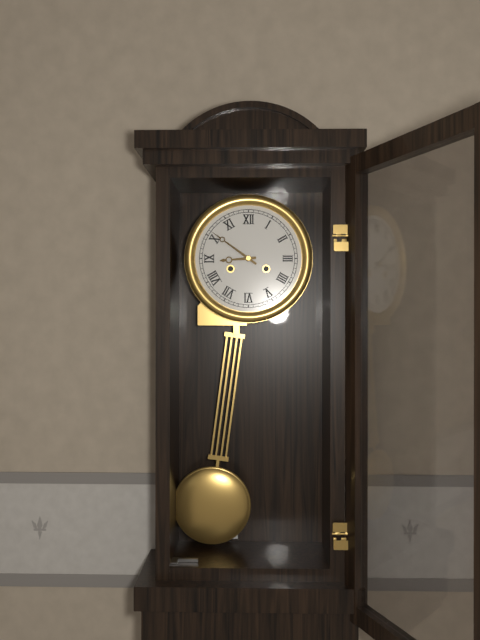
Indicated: 8,51
